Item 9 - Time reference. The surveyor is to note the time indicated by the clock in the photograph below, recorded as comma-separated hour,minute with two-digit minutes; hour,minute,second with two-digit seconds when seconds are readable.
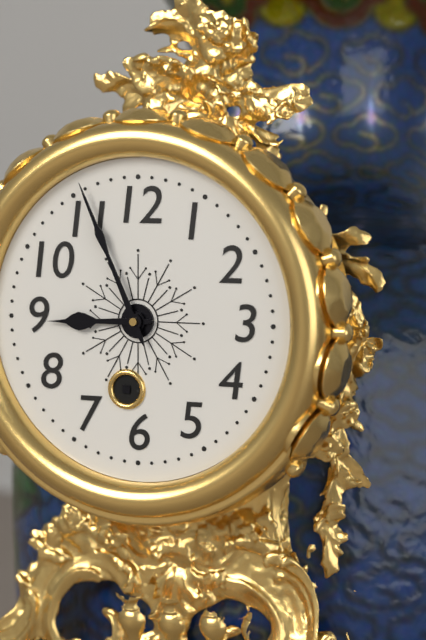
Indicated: 8,56
